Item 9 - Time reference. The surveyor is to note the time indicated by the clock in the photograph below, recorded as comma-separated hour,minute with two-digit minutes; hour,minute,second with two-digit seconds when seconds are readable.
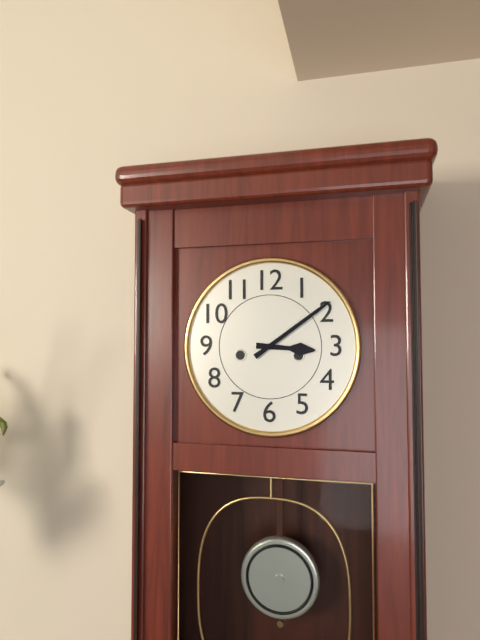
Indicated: 3,09
